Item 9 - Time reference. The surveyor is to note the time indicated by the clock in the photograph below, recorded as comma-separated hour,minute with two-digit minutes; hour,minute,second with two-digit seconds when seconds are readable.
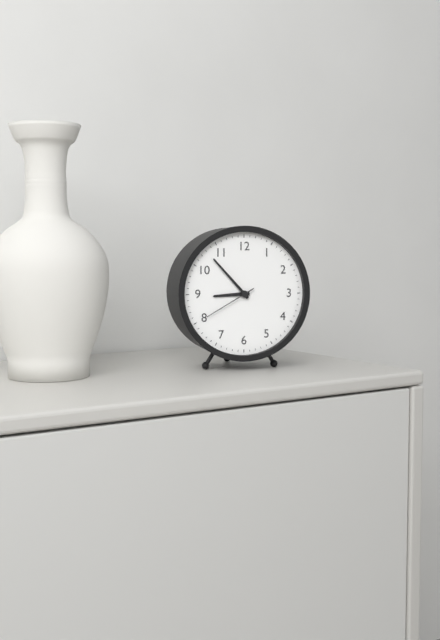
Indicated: 8,53,40
